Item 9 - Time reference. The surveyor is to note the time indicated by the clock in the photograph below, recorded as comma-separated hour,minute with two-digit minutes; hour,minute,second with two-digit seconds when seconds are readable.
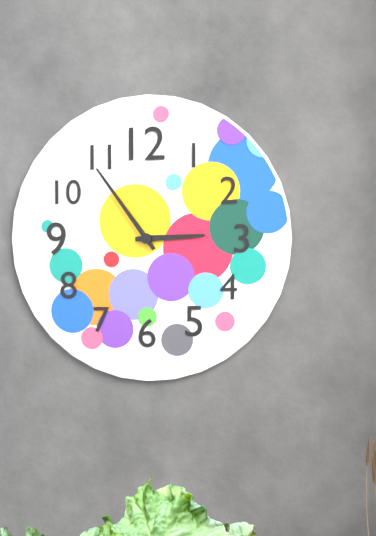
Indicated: 2,54
